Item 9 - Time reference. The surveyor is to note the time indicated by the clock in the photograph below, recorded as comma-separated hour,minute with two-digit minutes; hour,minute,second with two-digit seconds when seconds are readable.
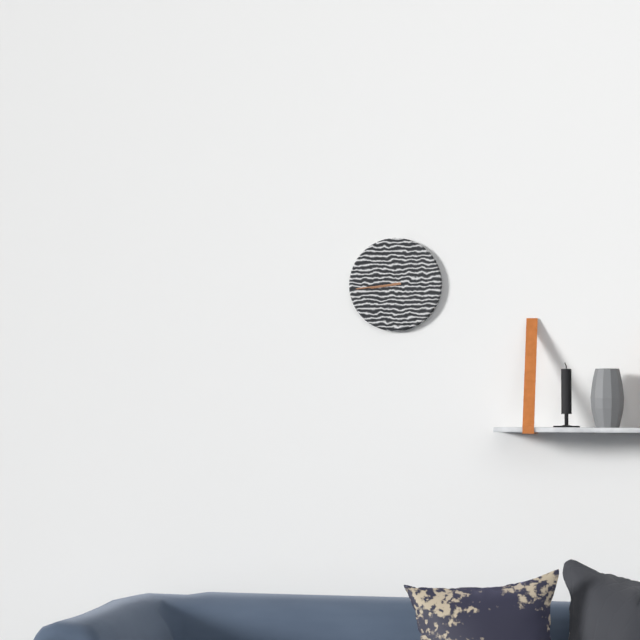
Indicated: 8,44
